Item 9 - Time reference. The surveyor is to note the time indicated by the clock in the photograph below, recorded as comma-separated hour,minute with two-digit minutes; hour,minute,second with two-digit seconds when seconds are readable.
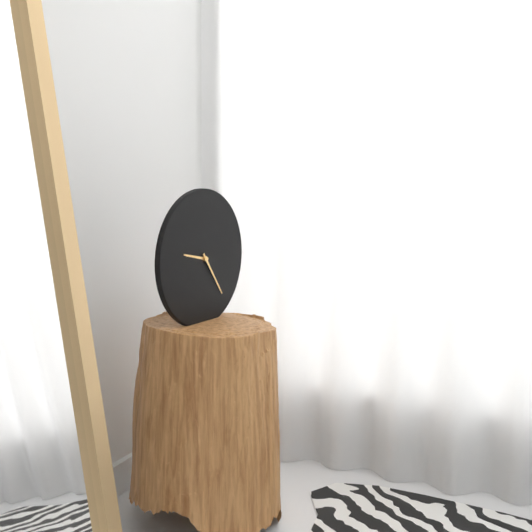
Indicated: 9,24
